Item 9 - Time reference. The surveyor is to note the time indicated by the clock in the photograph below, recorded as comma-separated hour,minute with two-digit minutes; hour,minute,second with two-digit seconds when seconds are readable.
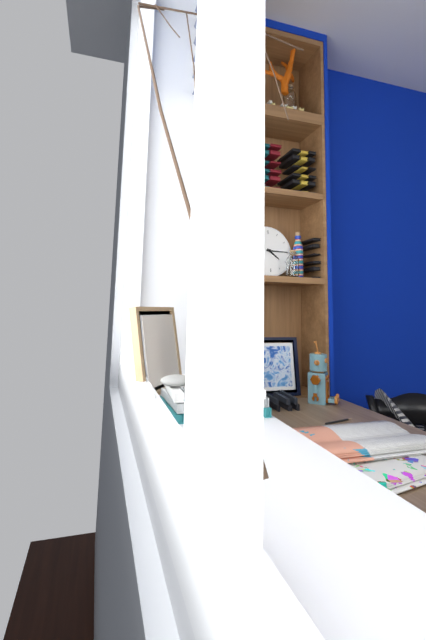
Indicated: 4,15
